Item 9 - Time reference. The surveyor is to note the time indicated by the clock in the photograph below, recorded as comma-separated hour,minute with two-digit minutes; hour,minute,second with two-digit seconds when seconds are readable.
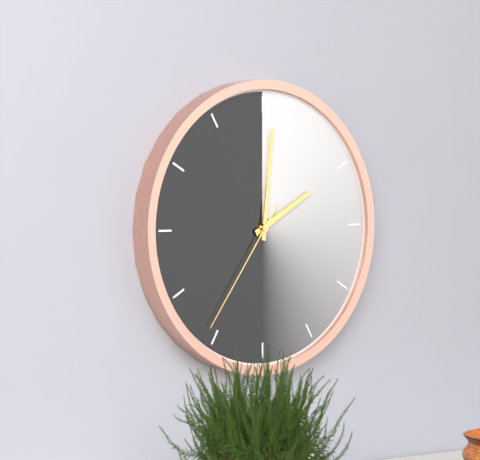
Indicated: 2,01,36
